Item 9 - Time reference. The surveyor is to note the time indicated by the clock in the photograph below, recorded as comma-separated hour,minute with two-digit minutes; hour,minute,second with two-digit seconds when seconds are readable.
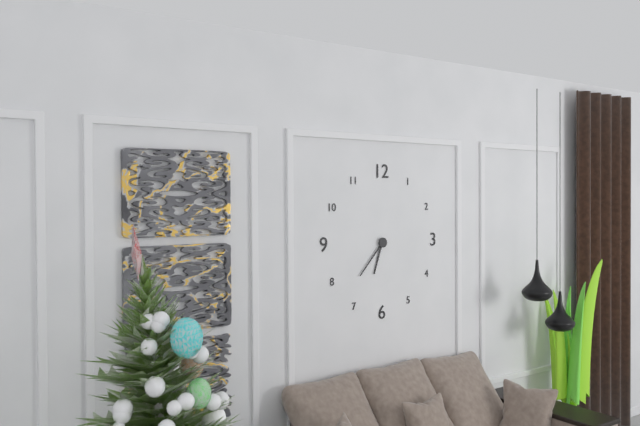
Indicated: 6,37
